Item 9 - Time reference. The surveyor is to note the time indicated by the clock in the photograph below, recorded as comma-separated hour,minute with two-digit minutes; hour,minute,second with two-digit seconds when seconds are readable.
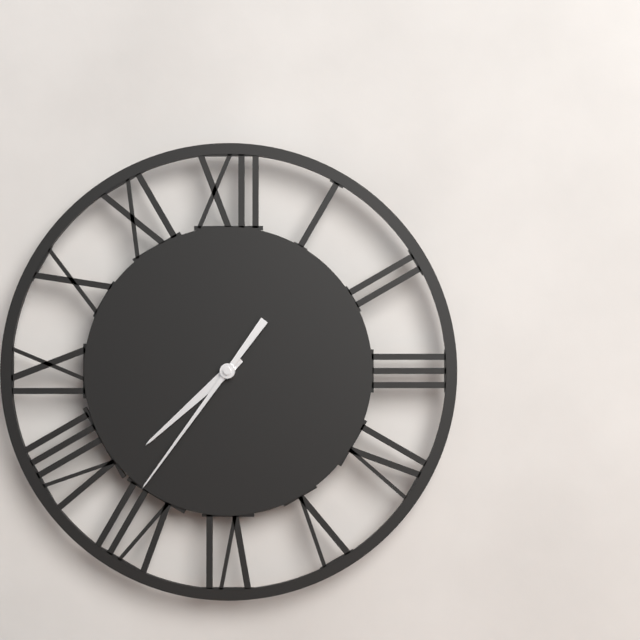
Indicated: 7,36
